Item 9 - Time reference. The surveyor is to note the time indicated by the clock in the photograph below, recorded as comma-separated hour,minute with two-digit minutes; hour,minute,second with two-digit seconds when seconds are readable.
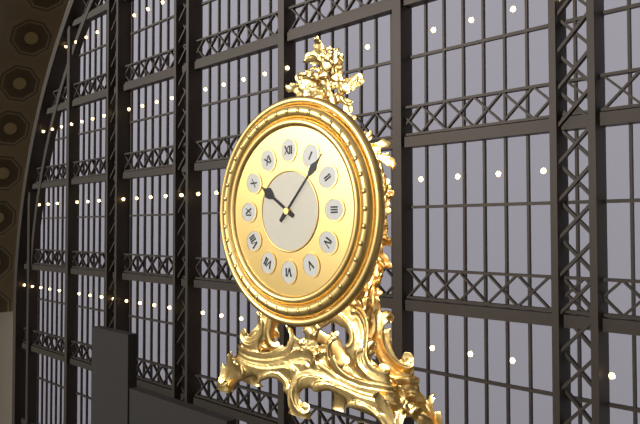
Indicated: 10,07
